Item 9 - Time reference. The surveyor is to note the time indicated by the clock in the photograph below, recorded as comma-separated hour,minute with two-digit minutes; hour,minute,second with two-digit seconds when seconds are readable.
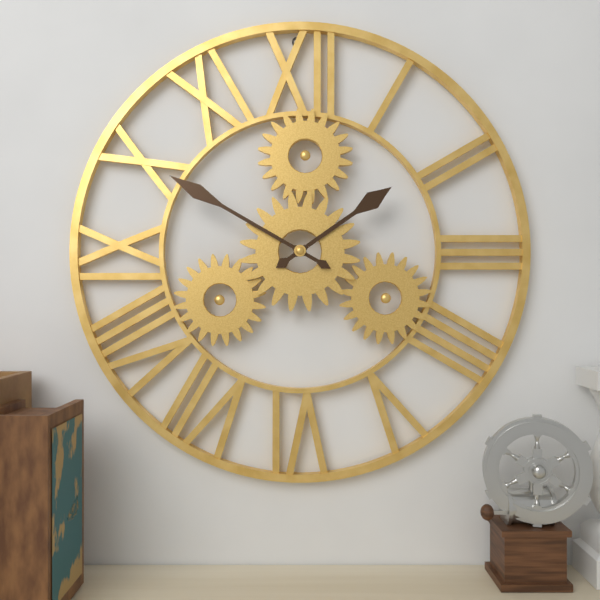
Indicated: 1,50
